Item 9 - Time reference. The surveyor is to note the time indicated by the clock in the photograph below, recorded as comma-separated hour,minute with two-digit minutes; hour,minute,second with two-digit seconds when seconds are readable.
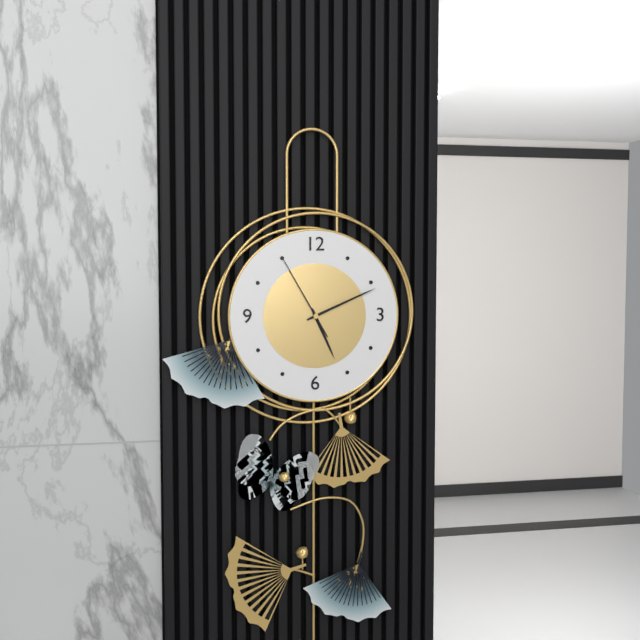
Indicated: 5,11,55
